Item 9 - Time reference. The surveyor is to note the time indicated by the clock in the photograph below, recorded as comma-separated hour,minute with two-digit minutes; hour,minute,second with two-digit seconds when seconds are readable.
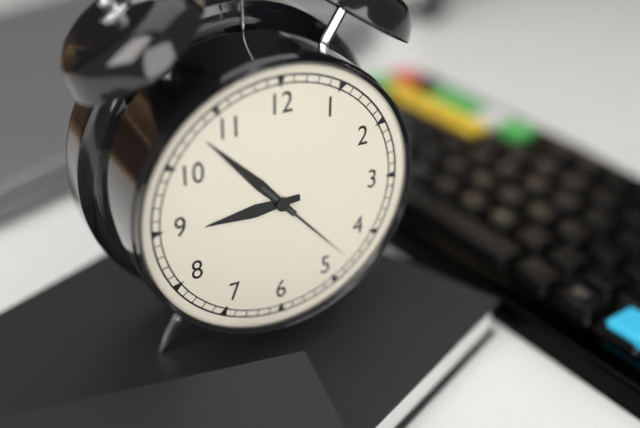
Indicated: 8,53,23
